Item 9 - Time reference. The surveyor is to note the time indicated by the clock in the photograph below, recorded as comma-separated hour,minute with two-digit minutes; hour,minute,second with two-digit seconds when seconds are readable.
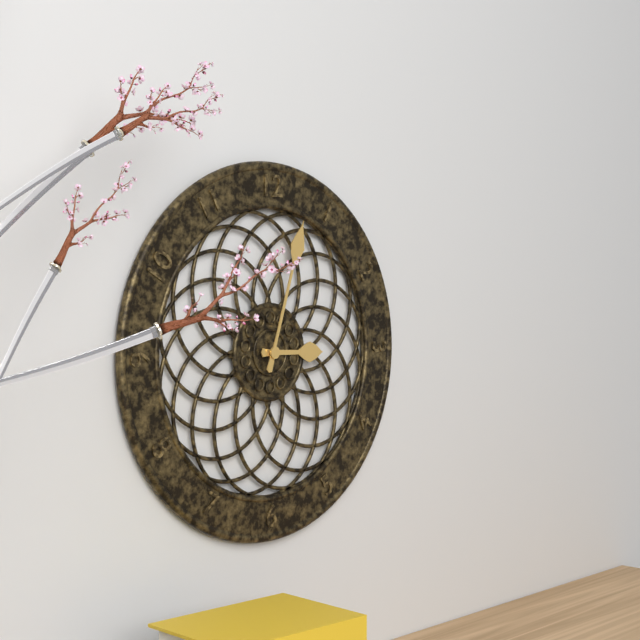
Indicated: 3,03
